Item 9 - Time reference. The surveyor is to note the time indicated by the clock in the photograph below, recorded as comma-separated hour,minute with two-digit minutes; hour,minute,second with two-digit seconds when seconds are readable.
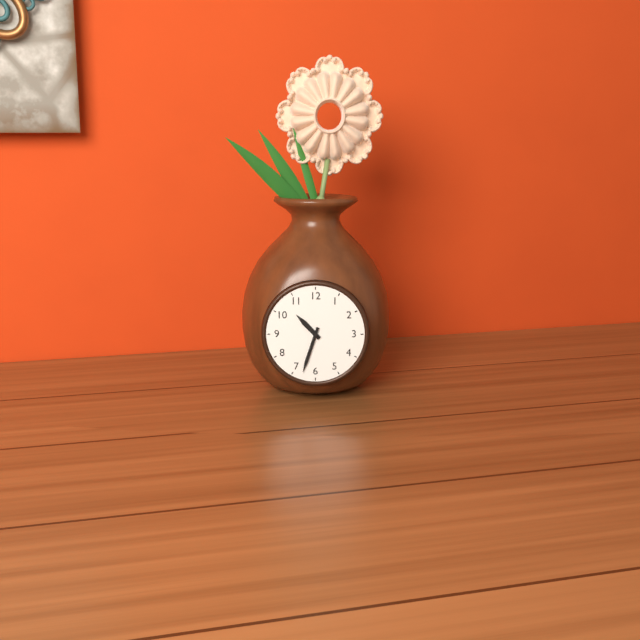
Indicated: 10,33
